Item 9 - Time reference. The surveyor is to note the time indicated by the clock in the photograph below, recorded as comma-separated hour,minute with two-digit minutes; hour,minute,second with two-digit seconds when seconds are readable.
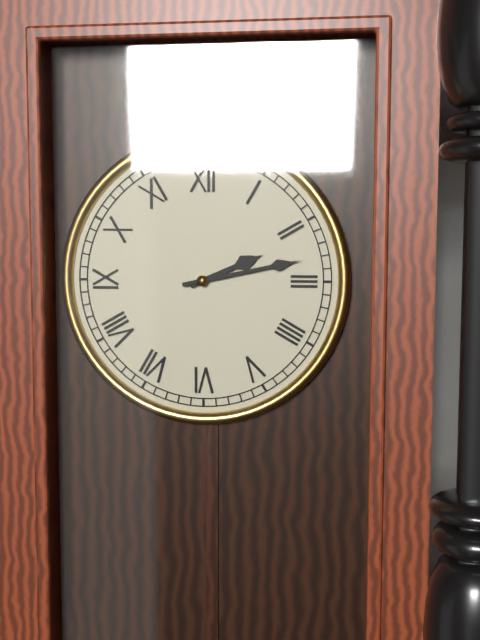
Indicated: 2,13
